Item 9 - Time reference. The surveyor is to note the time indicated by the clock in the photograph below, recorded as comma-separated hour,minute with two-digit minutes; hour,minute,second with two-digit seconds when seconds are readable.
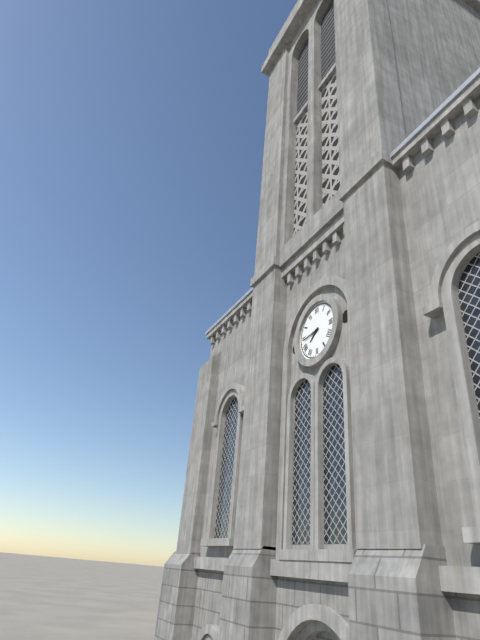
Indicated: 7,44
